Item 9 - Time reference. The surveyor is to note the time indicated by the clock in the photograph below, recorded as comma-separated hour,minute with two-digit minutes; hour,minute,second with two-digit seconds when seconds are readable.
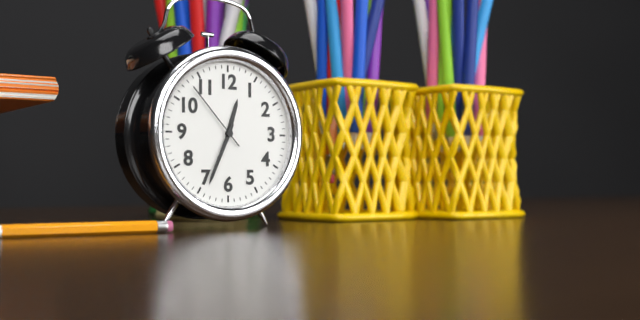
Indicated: 12,34,53
